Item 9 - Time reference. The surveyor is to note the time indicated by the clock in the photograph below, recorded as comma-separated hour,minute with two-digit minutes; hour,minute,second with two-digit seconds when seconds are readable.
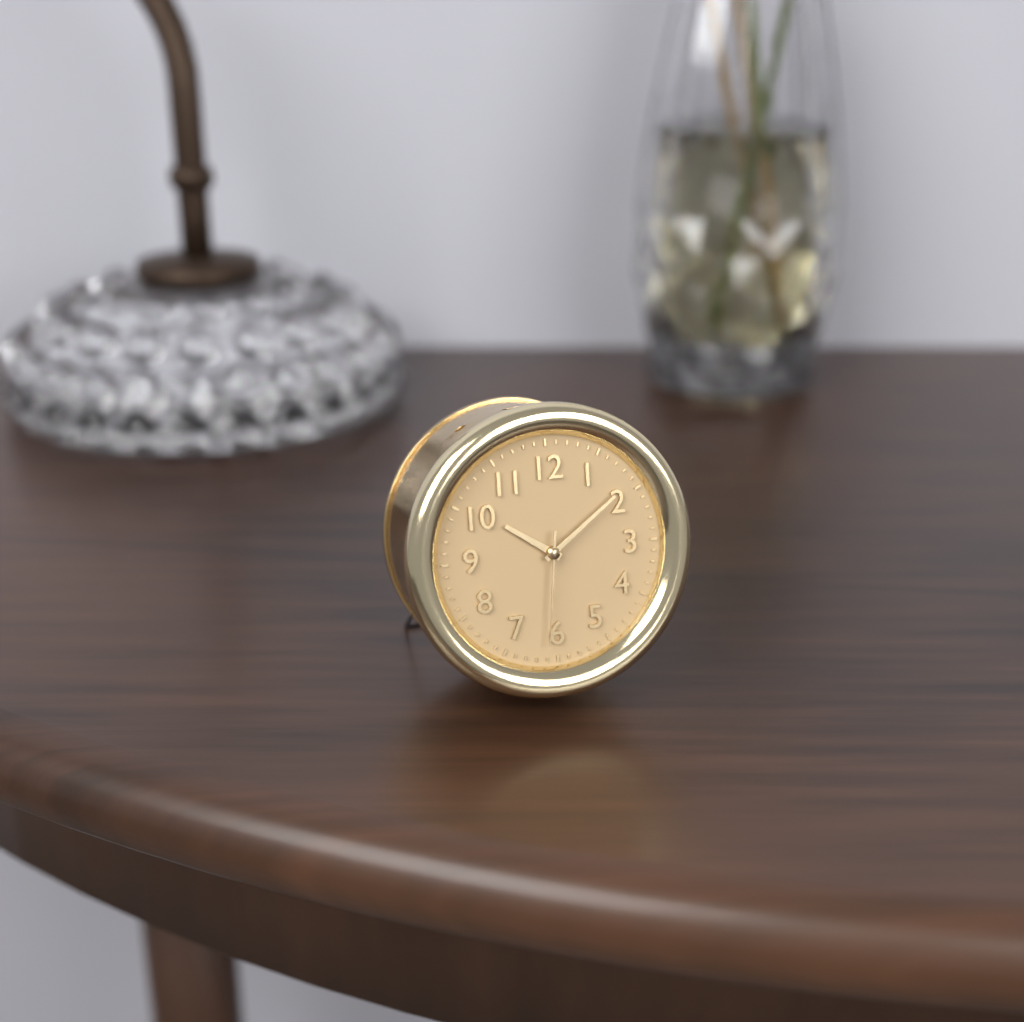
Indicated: 10,09,31
